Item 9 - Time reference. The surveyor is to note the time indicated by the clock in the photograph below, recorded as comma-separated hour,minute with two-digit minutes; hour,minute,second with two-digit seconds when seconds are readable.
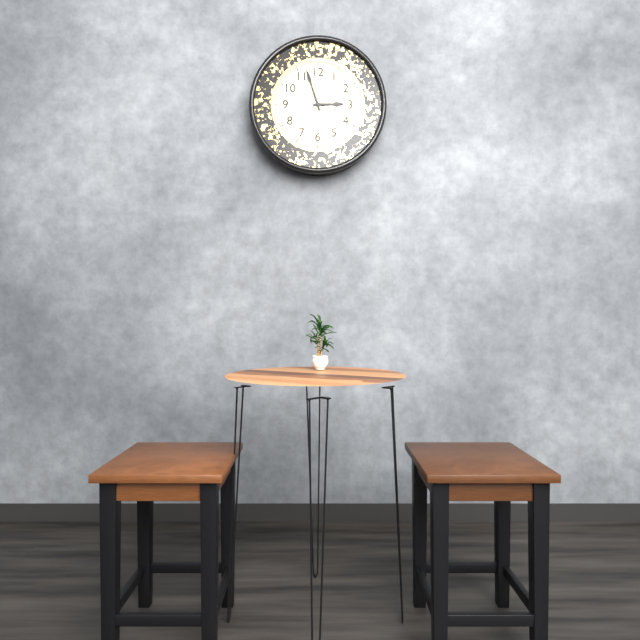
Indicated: 2,57
